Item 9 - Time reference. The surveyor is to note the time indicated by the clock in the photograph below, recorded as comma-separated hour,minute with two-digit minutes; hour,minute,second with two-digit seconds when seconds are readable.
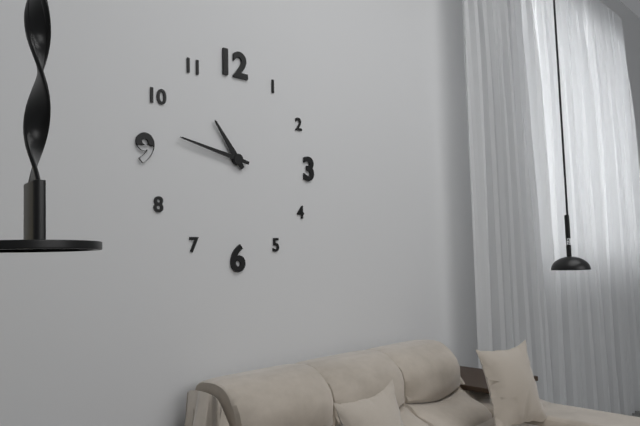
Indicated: 10,47
